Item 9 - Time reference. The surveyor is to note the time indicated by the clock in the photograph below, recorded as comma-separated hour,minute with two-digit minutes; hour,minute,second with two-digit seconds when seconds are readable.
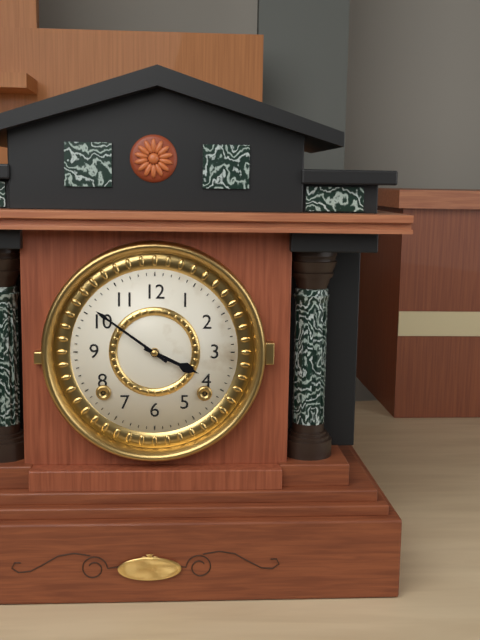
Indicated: 3,51
